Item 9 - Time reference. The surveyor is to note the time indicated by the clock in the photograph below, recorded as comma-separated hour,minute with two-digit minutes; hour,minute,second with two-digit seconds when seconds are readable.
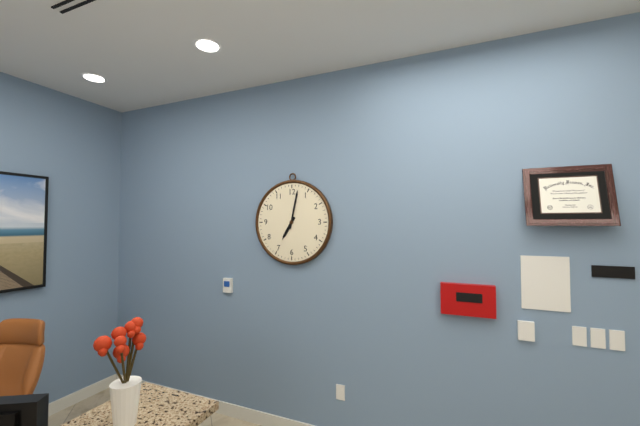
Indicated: 7,02
